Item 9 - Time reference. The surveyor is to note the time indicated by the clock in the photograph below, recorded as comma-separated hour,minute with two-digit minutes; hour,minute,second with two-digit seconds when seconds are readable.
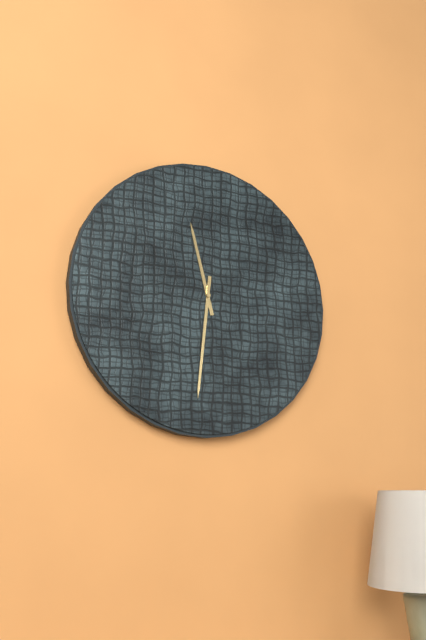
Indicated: 11,31
